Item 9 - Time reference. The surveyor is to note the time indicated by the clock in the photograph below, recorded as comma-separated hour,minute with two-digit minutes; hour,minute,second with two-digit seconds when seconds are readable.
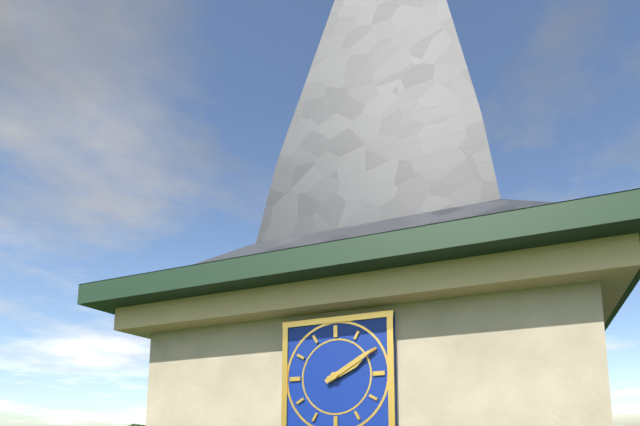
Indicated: 2,10
